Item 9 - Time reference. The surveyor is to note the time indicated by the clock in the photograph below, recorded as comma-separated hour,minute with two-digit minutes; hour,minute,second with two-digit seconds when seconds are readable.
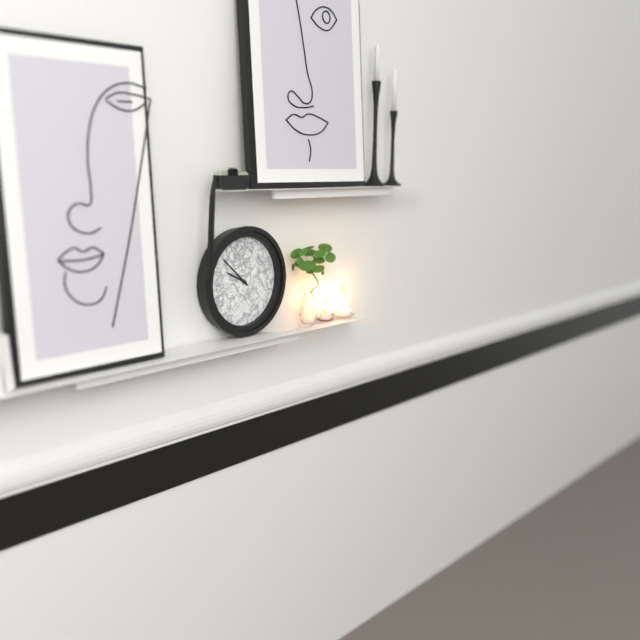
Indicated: 9,52
